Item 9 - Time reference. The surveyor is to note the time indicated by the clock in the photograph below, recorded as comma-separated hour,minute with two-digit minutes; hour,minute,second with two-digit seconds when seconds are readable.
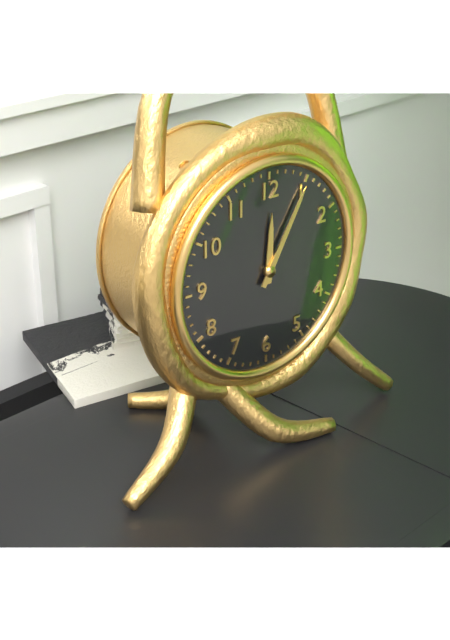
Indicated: 12,05
